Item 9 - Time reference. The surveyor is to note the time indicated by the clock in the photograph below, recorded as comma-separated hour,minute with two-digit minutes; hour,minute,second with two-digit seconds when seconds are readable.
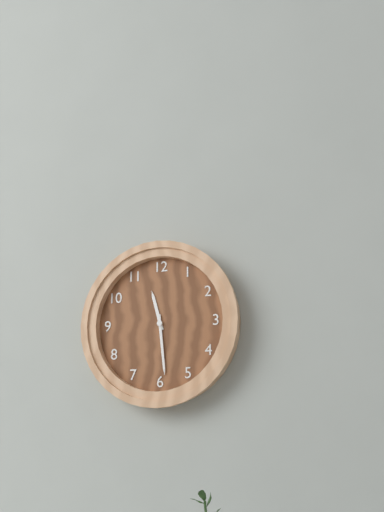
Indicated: 11,29
